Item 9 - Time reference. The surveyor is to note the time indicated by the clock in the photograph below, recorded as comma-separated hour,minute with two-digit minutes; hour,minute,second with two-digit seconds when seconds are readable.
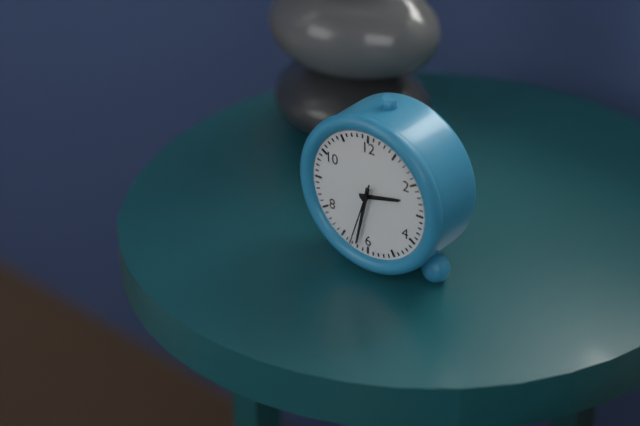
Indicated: 2,32,33
